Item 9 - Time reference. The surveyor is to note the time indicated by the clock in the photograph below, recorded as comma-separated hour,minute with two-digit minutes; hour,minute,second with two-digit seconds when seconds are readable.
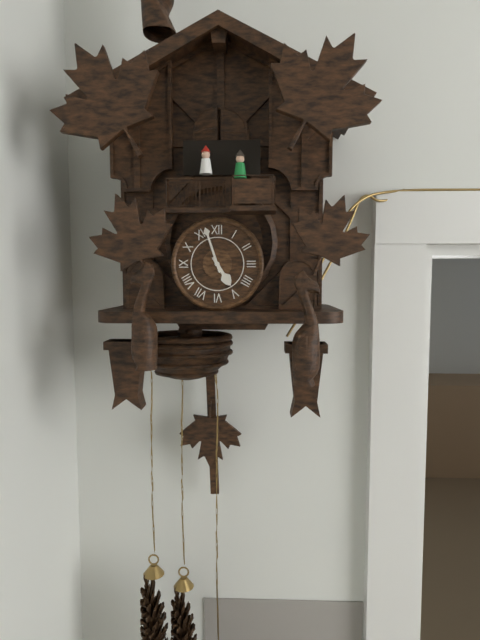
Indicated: 4,57
